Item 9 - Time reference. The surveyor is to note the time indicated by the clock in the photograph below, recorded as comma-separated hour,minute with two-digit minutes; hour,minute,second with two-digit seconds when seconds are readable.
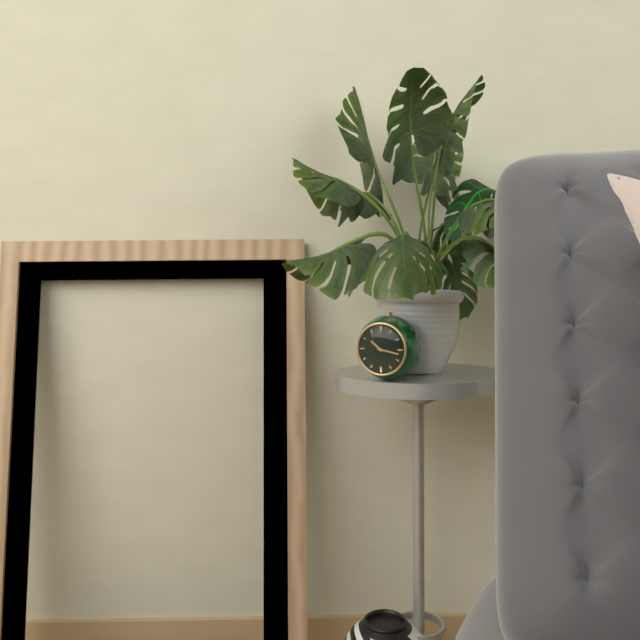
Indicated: 10,17
